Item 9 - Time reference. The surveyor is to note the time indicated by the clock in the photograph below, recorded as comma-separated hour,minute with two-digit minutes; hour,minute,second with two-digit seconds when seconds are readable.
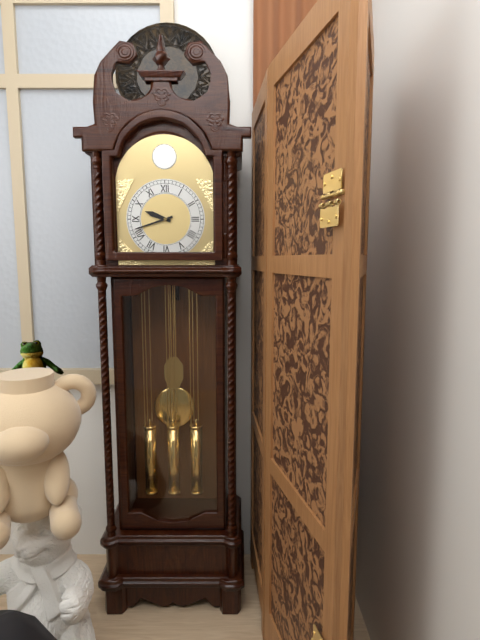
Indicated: 9,42
